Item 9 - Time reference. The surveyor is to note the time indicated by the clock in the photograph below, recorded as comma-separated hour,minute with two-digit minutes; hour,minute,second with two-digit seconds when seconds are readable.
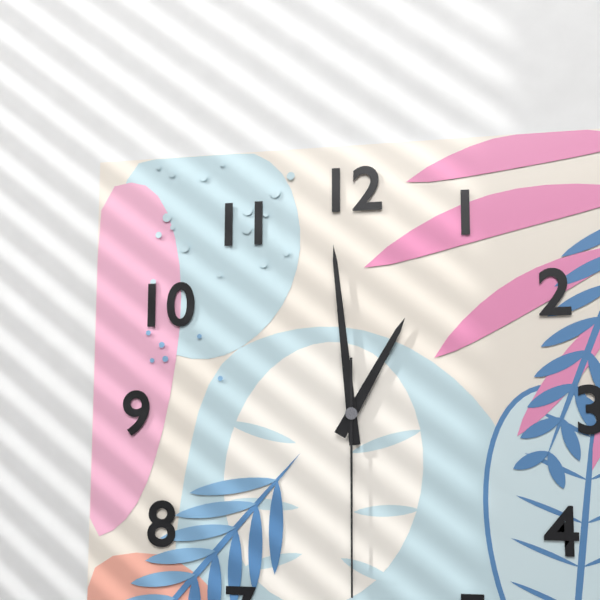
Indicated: 12,59,30
